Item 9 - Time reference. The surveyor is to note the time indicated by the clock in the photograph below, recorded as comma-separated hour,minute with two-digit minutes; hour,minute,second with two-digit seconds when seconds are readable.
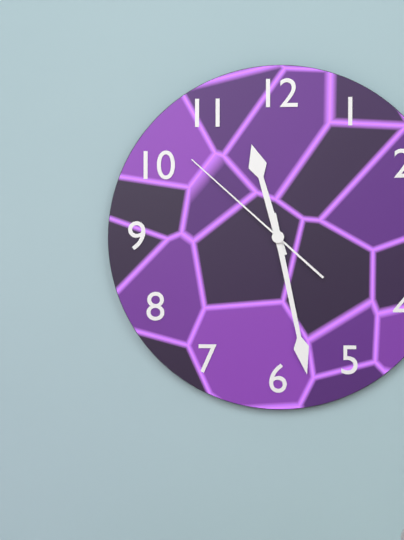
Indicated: 11,28,52
